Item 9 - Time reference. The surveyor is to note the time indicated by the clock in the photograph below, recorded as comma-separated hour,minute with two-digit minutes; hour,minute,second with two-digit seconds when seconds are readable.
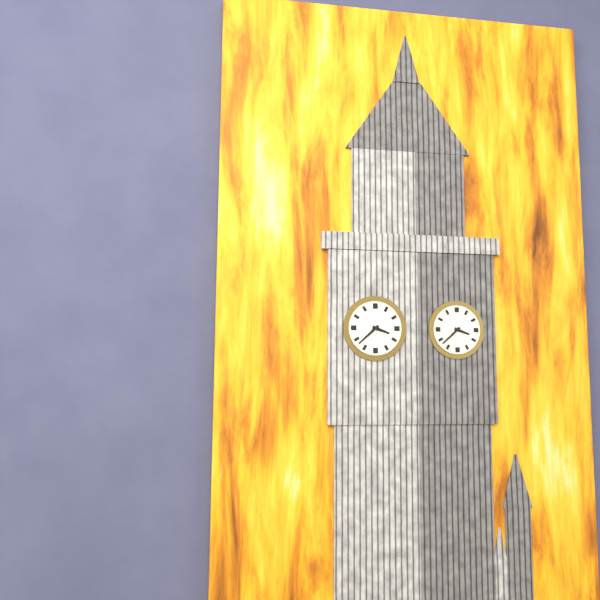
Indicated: 3,38
